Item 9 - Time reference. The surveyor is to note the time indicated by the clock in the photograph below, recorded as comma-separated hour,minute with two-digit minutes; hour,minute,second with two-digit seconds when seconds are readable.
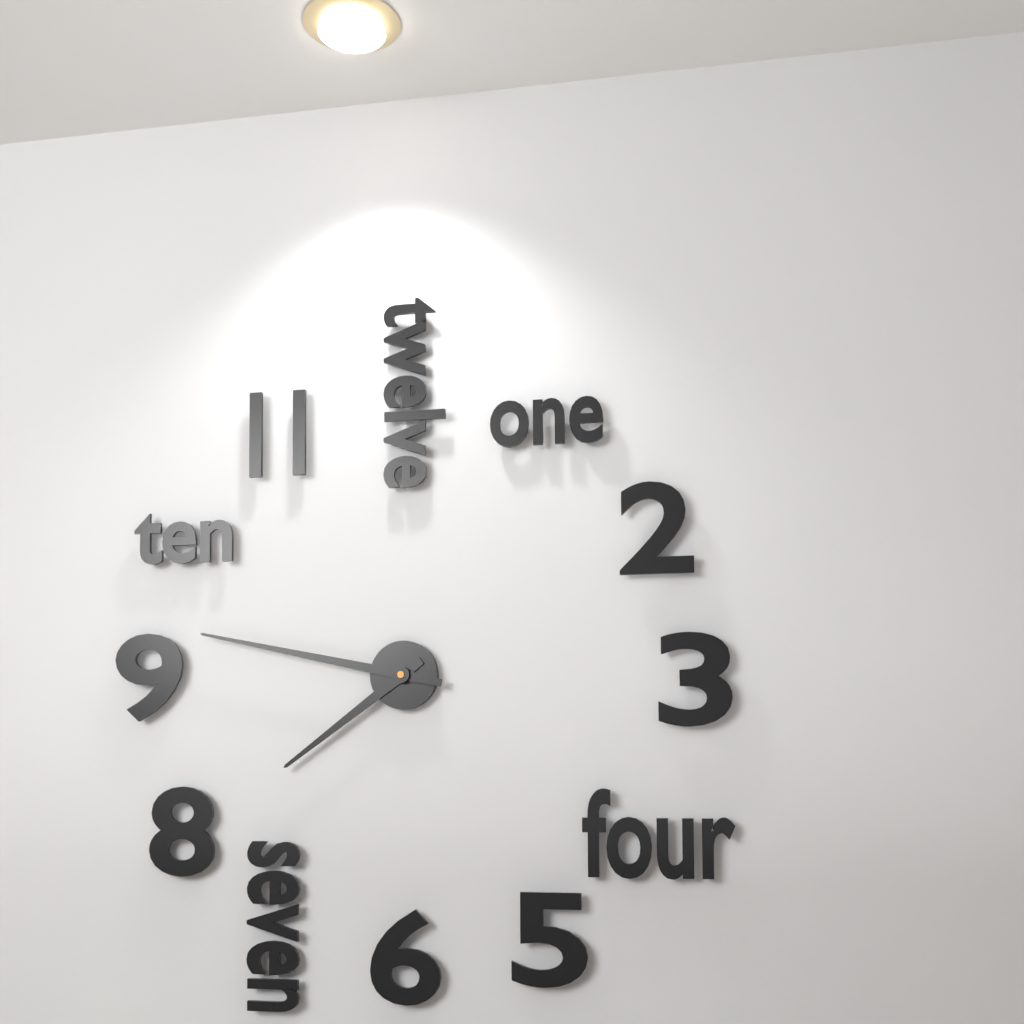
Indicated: 7,47
